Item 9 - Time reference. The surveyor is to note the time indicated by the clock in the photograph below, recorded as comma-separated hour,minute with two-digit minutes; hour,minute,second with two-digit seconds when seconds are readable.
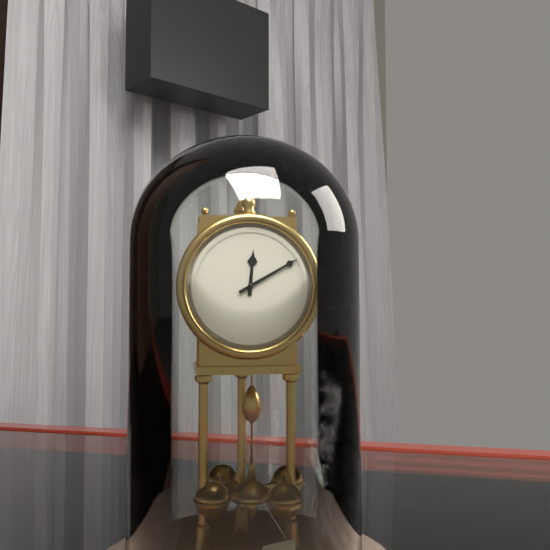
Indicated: 12,10
